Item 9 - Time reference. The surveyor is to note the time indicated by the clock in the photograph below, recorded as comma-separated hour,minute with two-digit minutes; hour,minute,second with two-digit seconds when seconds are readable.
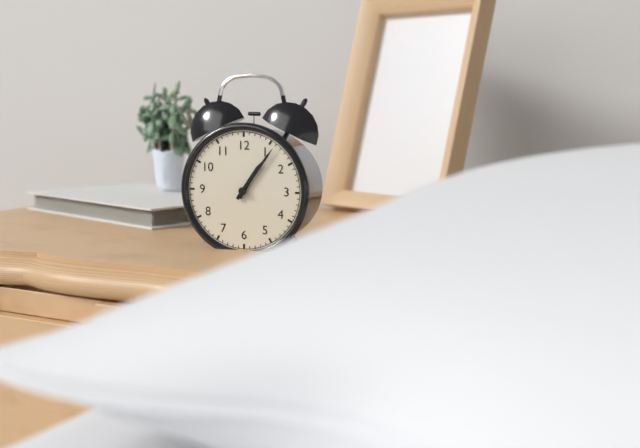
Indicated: 1,06
